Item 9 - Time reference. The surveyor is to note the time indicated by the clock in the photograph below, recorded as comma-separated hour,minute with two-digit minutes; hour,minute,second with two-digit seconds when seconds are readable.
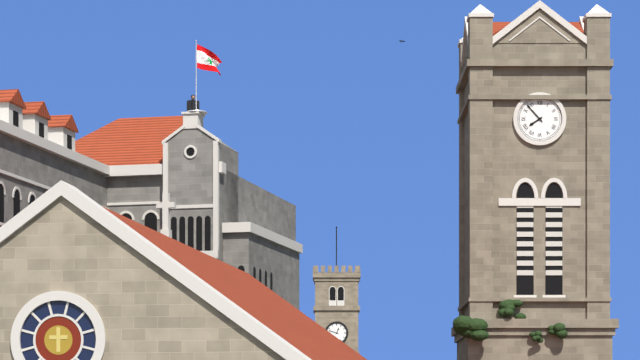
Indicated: 7,53
